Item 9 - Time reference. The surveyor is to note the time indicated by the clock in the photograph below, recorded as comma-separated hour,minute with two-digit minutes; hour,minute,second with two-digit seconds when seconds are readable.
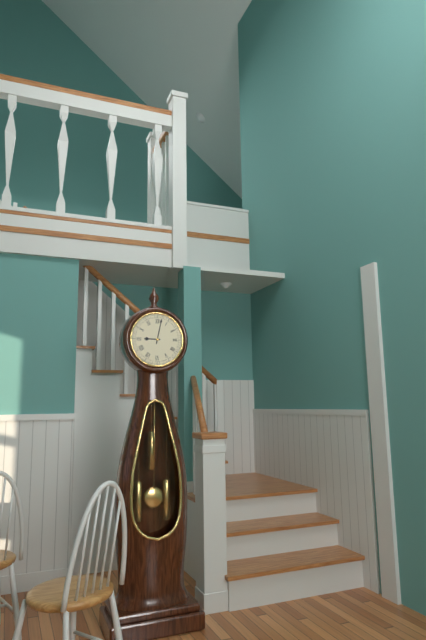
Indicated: 9,02
